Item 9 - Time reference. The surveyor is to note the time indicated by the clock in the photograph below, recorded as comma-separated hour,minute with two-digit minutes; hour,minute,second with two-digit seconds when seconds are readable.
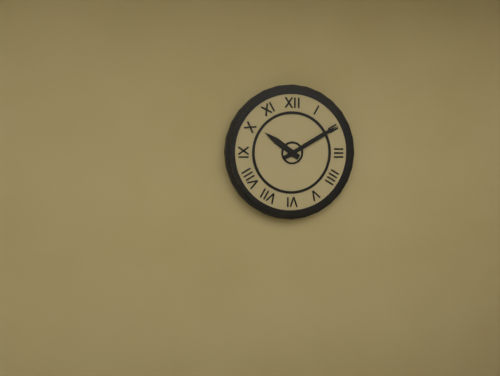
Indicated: 10,10
